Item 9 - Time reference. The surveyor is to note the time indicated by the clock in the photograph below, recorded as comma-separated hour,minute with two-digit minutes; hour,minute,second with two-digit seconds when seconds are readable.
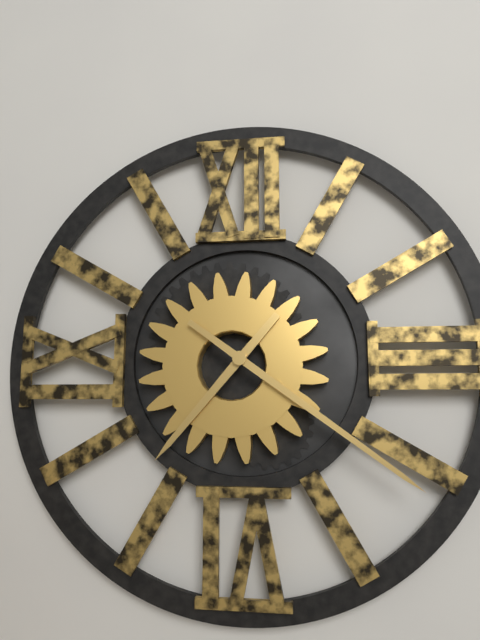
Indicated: 7,21
